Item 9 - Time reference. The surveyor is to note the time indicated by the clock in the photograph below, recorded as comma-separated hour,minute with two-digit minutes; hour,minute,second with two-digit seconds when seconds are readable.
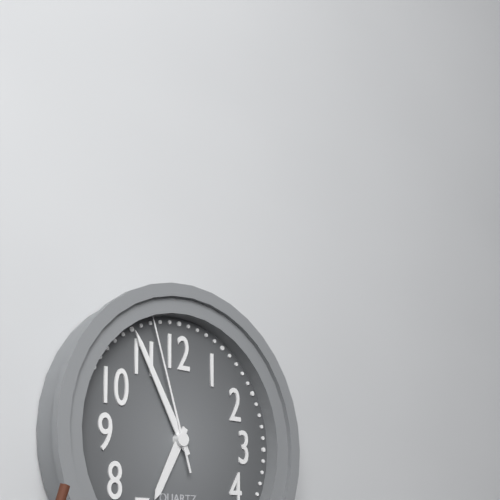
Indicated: 6,55,57
